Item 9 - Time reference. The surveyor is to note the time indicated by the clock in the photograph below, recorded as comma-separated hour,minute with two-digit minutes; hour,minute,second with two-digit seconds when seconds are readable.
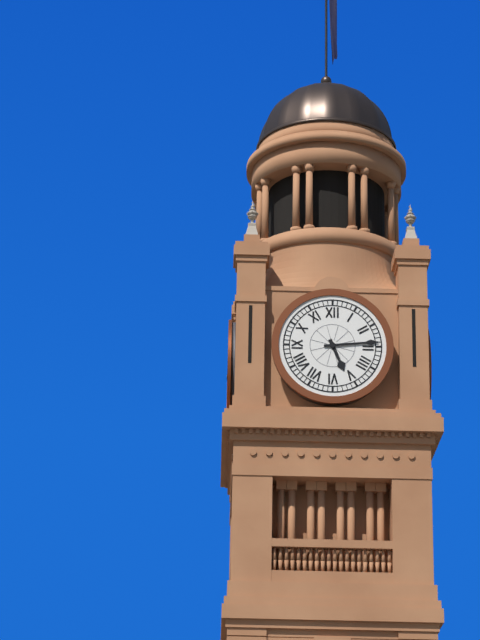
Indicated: 5,14
